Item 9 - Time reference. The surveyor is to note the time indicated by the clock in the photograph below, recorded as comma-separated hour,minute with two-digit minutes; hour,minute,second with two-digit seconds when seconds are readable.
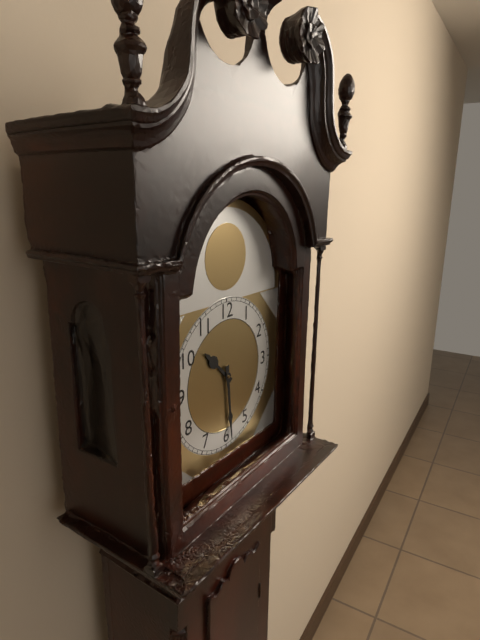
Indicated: 10,29
